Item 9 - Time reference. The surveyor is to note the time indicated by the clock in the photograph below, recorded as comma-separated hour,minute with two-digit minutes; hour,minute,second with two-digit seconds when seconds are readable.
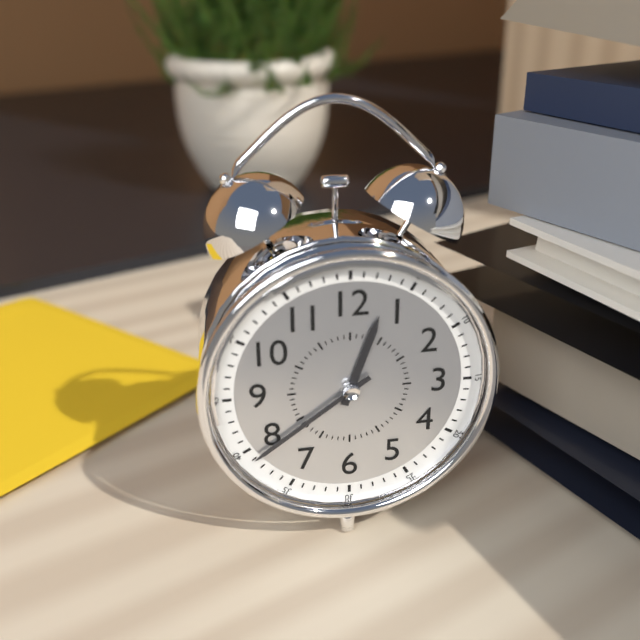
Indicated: 12,39
